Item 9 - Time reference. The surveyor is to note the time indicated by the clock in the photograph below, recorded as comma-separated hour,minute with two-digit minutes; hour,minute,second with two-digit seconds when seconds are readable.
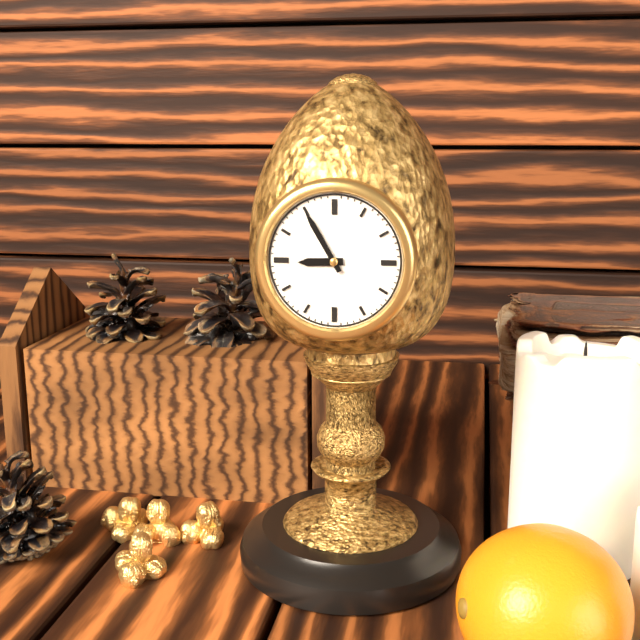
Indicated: 8,55
